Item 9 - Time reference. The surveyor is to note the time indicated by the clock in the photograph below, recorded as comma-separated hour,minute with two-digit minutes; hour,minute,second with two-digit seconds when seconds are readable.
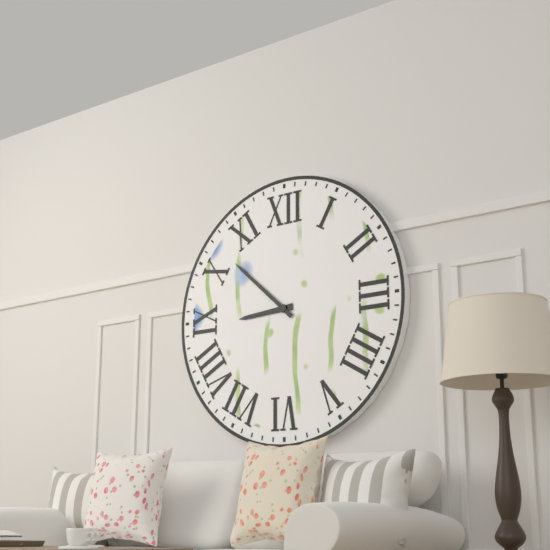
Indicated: 8,52
